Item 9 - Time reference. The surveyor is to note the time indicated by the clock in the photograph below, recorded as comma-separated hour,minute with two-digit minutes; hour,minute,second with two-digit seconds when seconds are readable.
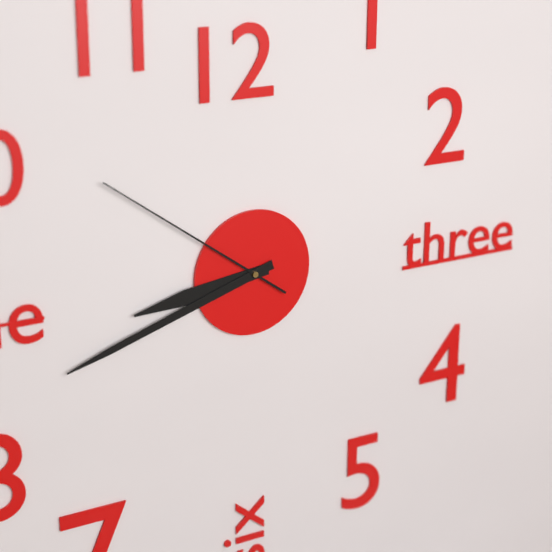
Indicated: 8,42,51
